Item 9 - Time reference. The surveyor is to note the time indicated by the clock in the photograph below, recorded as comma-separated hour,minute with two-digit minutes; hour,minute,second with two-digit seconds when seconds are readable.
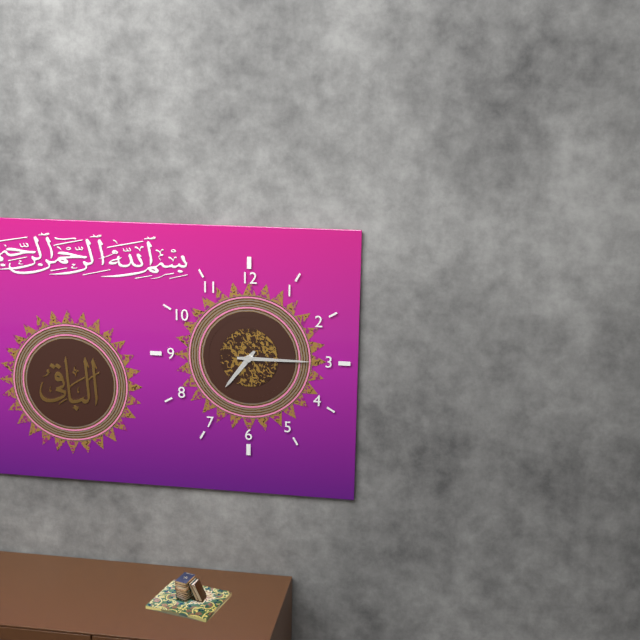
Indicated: 7,15
